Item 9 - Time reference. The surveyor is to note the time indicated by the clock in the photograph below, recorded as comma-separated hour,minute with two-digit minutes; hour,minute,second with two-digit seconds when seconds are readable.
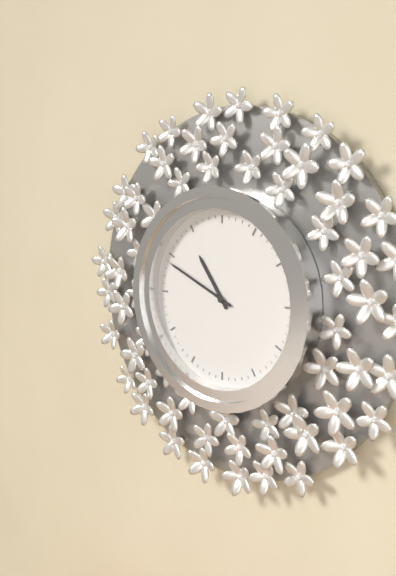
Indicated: 10,49
